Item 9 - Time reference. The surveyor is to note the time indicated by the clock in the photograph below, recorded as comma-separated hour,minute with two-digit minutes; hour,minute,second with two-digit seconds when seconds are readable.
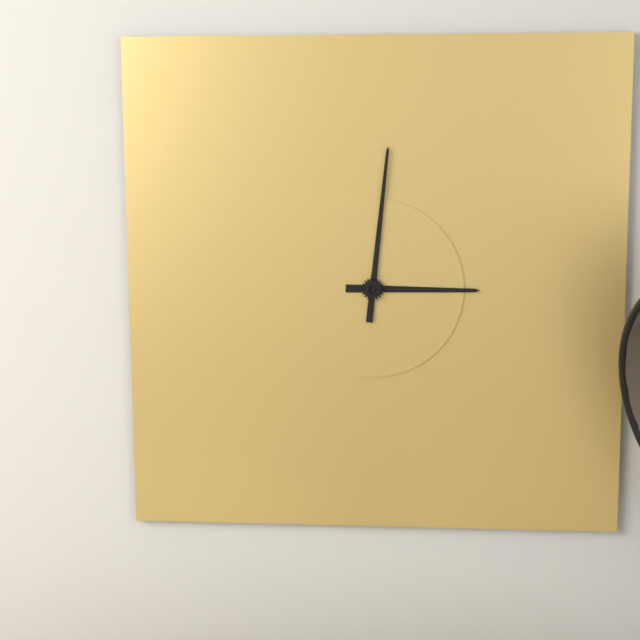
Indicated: 3,01
